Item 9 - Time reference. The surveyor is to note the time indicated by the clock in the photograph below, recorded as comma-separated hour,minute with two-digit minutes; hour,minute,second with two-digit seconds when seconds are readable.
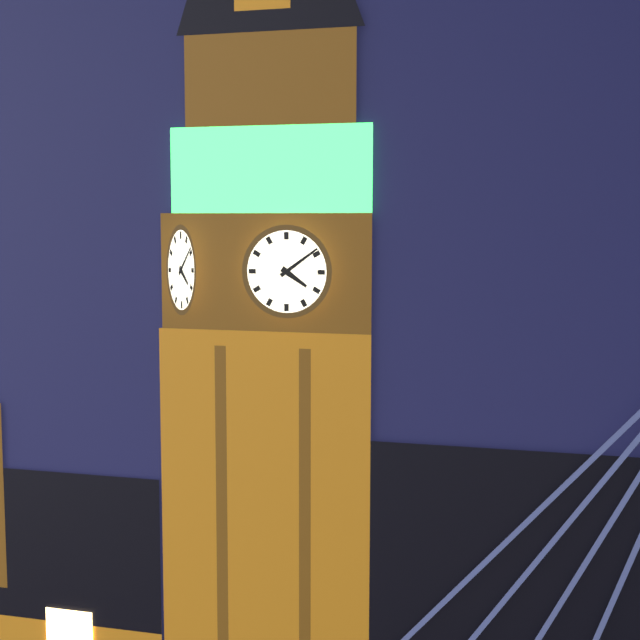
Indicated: 4,09
